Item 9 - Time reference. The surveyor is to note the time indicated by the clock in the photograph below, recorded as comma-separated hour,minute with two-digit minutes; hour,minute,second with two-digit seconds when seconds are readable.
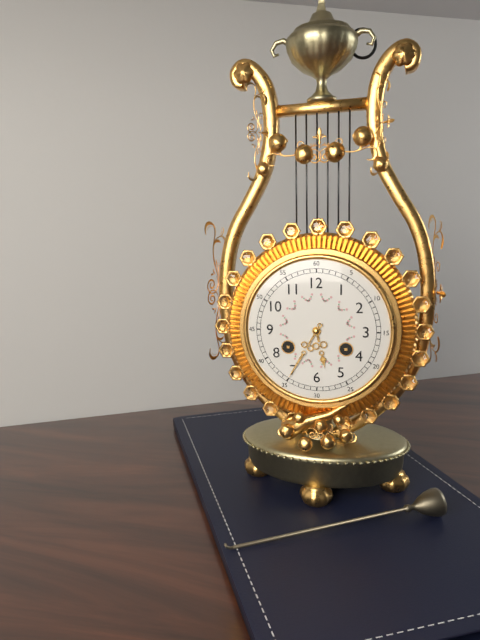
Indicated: 5,35
